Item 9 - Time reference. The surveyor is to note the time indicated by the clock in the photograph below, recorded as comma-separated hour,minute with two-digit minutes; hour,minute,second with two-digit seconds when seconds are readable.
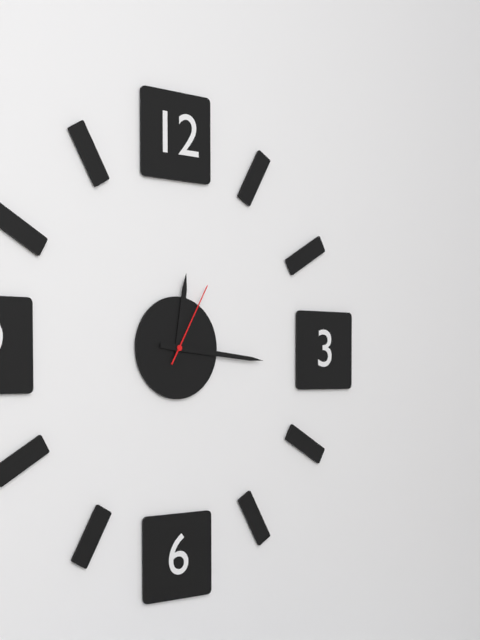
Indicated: 12,16,05
